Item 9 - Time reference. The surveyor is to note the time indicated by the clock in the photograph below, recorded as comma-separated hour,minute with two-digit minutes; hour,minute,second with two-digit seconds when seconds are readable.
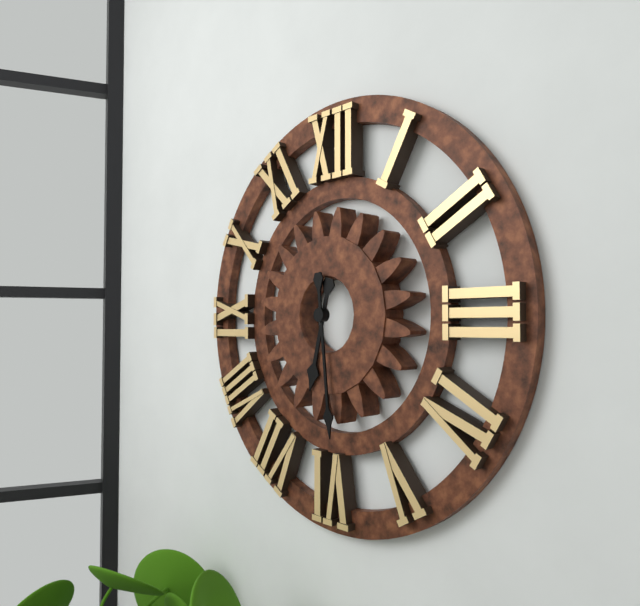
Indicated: 6,29
